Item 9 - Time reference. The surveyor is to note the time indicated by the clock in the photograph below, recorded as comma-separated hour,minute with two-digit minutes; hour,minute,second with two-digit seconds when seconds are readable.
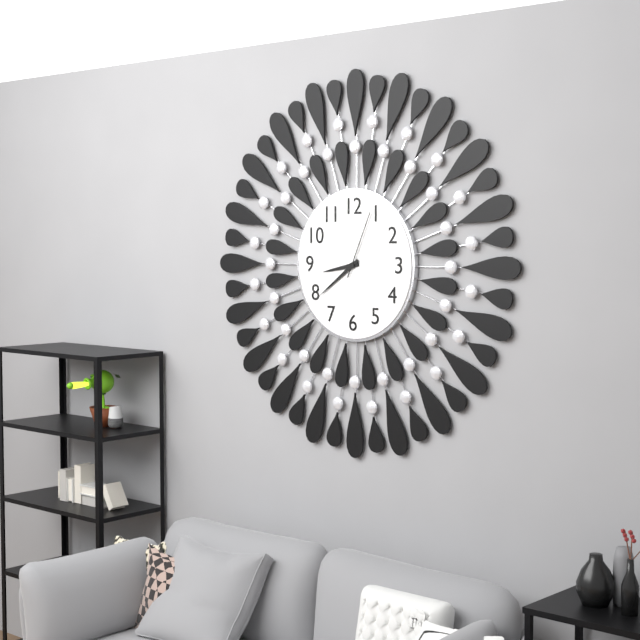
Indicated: 8,39,04
